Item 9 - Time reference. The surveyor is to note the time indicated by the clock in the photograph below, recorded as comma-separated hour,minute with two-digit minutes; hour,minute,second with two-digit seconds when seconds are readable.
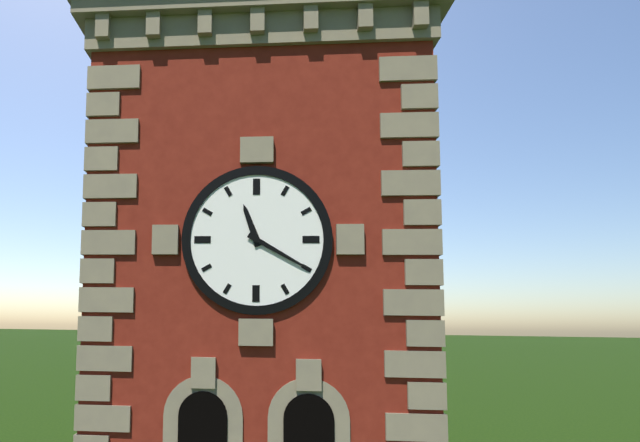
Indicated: 11,20
